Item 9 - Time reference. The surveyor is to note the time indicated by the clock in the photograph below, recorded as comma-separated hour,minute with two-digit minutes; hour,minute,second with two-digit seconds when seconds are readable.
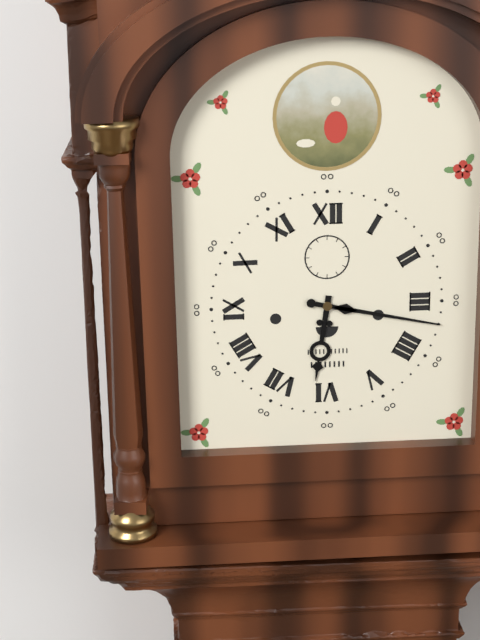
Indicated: 6,17
